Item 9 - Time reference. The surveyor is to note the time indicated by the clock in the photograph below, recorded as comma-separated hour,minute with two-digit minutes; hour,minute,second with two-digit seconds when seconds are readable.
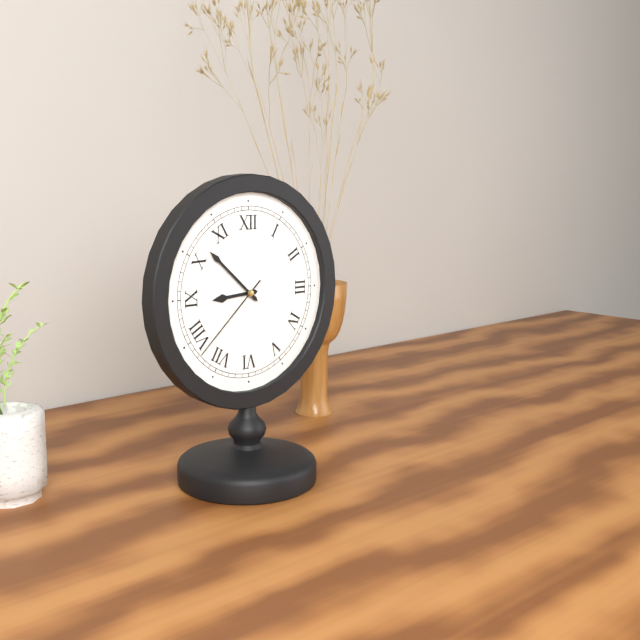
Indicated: 8,52,38
